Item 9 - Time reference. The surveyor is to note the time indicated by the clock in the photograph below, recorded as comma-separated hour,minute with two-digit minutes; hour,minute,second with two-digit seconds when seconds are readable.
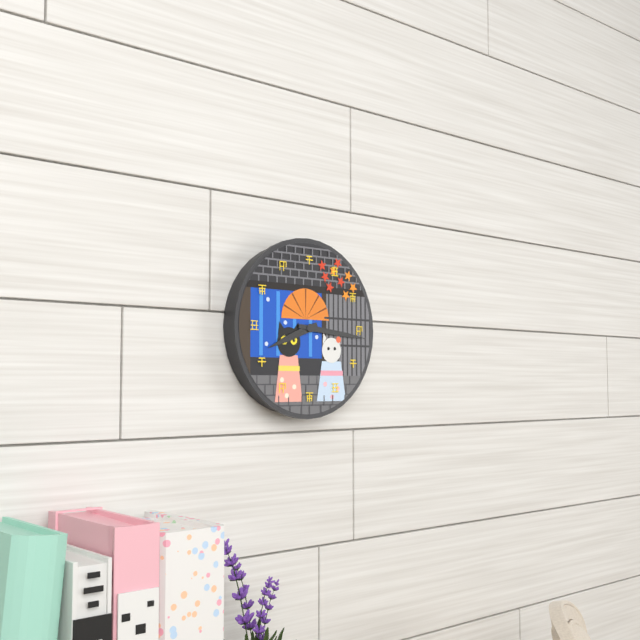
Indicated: 8,16
